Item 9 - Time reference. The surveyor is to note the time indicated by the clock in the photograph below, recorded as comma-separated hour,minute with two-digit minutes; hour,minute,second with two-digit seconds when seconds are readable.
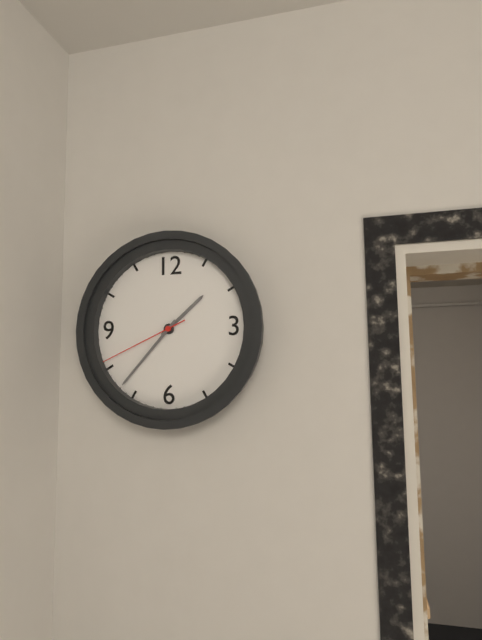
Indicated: 1,37,41
